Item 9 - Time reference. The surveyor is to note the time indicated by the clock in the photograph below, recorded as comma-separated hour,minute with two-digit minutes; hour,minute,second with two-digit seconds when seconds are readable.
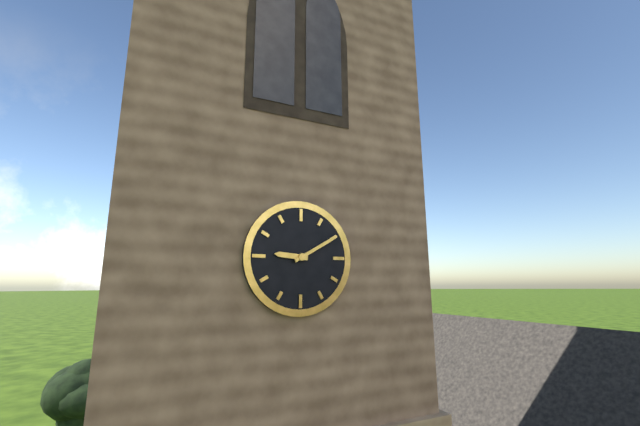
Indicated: 9,10
